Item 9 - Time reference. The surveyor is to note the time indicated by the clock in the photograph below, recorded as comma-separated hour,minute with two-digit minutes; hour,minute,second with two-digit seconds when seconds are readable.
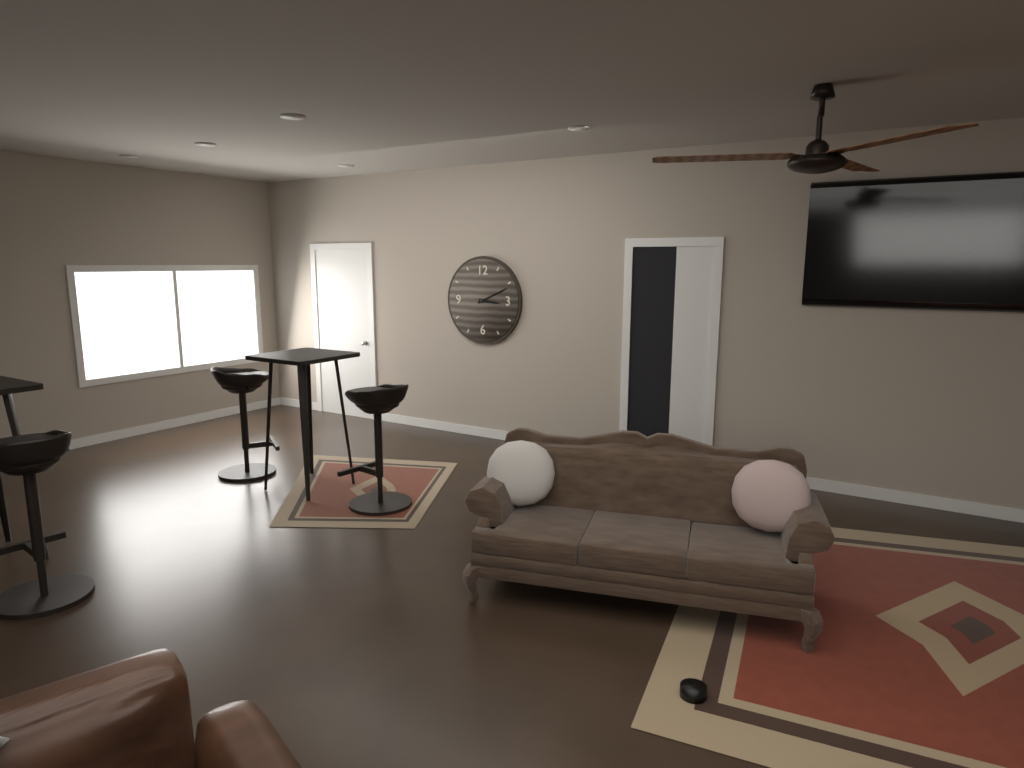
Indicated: 3,11
